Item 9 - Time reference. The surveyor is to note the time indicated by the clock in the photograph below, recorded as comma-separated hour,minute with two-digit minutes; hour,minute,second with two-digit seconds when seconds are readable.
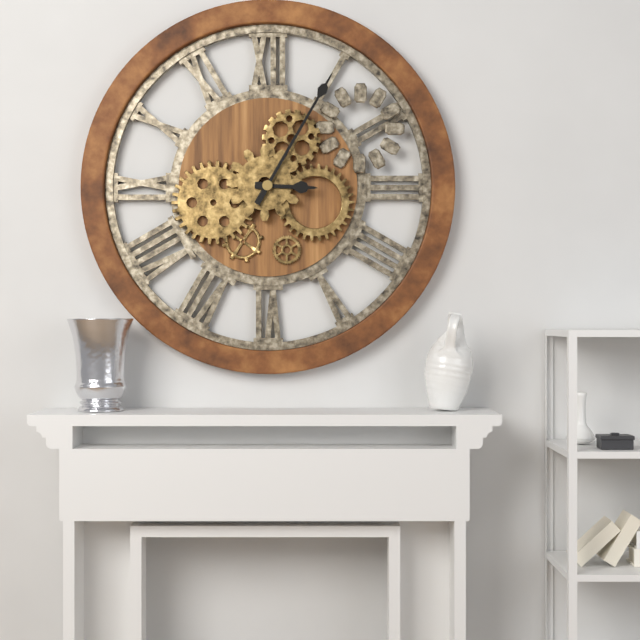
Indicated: 3,05
